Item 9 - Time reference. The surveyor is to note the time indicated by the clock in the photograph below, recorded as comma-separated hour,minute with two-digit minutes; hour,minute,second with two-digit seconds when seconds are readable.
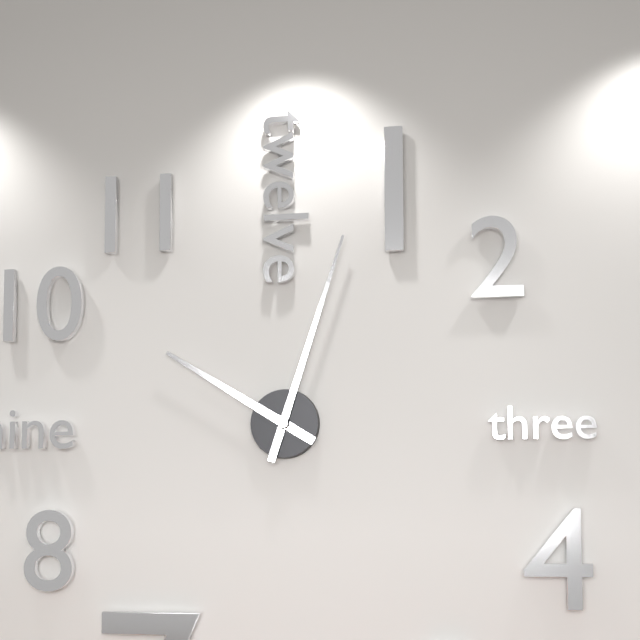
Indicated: 10,03
